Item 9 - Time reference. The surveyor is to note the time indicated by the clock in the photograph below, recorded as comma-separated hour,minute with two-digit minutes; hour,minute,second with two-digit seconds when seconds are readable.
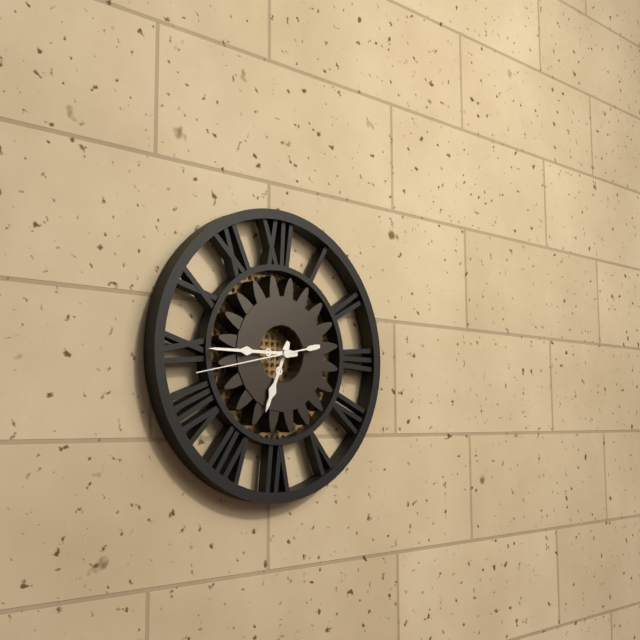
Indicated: 6,45,43
